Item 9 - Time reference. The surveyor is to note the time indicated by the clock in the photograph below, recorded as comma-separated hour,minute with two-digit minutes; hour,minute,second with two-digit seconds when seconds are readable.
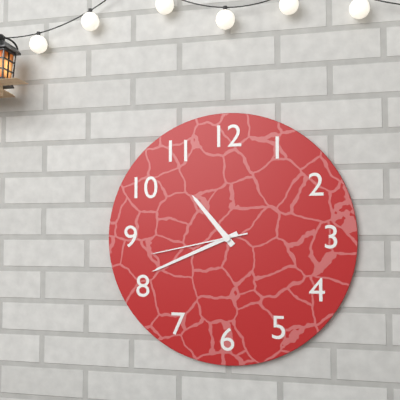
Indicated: 10,41,43
